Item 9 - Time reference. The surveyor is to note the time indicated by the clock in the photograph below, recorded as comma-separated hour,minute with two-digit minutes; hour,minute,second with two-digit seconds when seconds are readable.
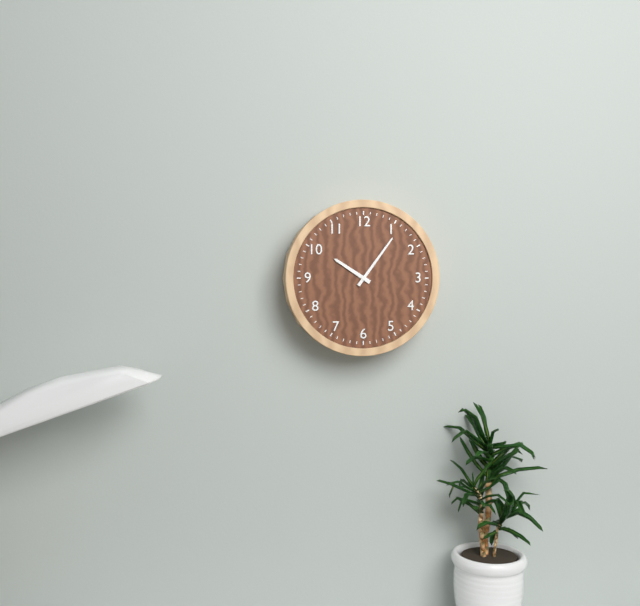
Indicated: 10,06
